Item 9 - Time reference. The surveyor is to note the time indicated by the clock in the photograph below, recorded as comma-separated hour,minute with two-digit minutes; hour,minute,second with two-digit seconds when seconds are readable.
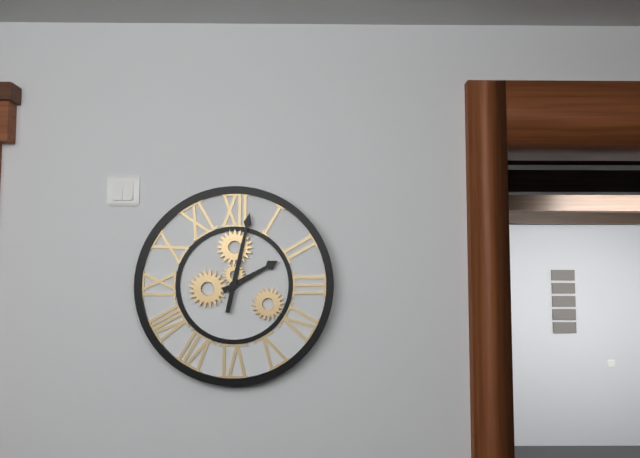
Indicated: 2,02
